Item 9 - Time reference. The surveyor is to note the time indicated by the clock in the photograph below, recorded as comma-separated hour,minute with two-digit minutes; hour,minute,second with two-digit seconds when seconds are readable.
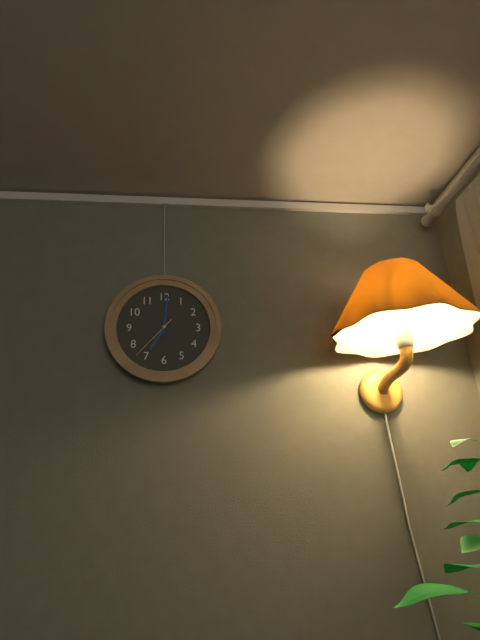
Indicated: 7,01
